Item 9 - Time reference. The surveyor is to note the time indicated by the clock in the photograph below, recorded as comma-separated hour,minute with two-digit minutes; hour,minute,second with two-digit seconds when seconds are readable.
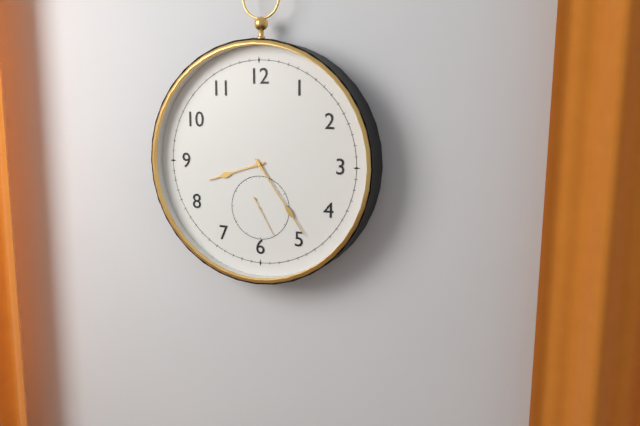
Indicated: 8,24
